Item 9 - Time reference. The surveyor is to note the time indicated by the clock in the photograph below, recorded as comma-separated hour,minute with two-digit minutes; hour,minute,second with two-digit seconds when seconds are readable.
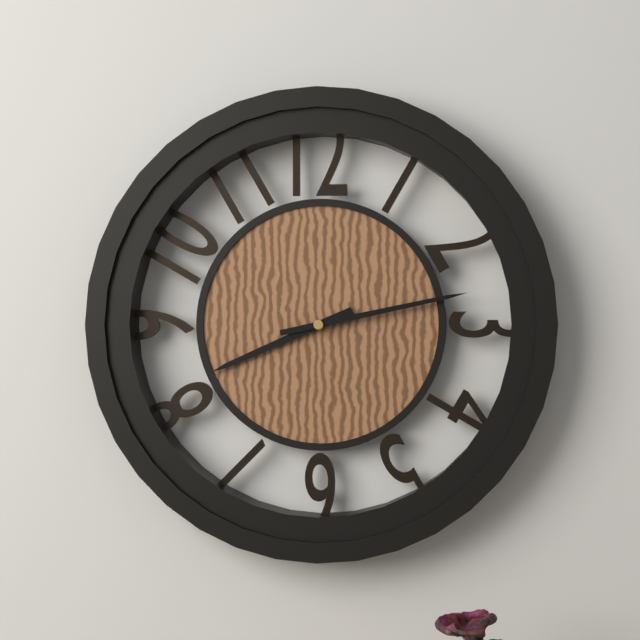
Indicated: 8,13
